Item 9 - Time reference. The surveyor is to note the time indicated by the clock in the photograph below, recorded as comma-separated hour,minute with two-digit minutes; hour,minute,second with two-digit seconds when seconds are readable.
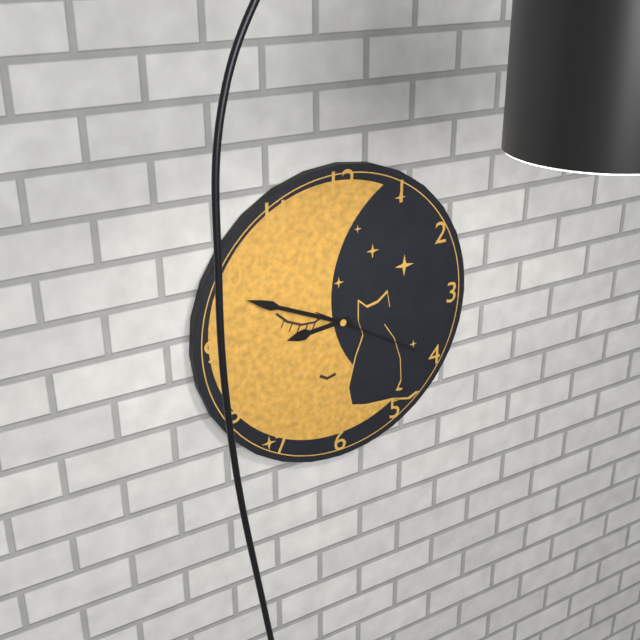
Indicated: 8,49,20
